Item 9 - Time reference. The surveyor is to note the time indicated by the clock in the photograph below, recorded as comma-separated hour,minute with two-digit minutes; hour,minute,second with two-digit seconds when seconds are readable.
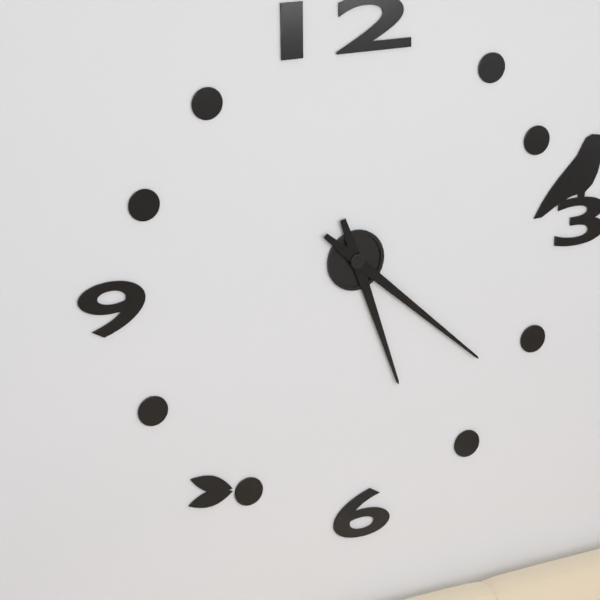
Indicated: 5,22
